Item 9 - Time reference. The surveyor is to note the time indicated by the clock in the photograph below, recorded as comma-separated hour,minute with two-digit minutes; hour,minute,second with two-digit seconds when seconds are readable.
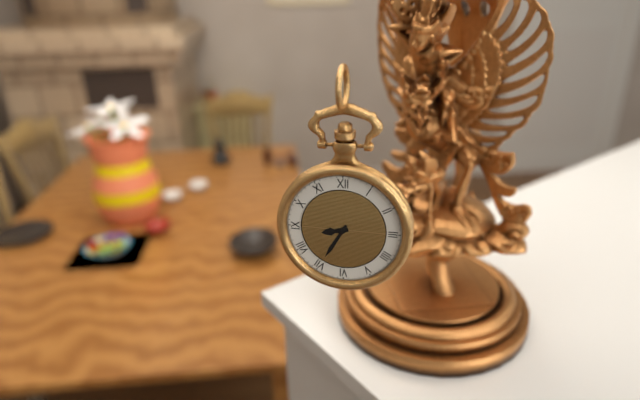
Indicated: 8,35
